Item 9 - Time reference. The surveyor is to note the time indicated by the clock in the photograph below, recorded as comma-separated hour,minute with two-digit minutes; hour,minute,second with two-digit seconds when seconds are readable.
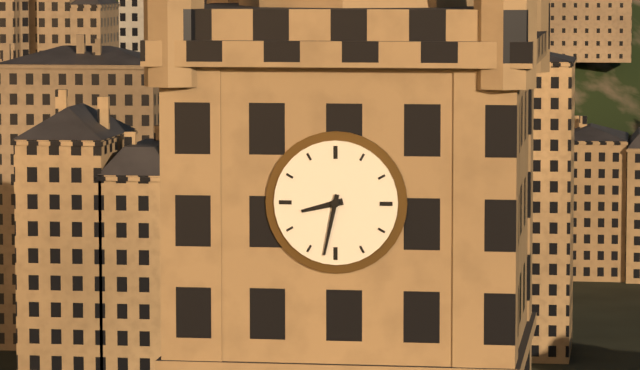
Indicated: 8,32
